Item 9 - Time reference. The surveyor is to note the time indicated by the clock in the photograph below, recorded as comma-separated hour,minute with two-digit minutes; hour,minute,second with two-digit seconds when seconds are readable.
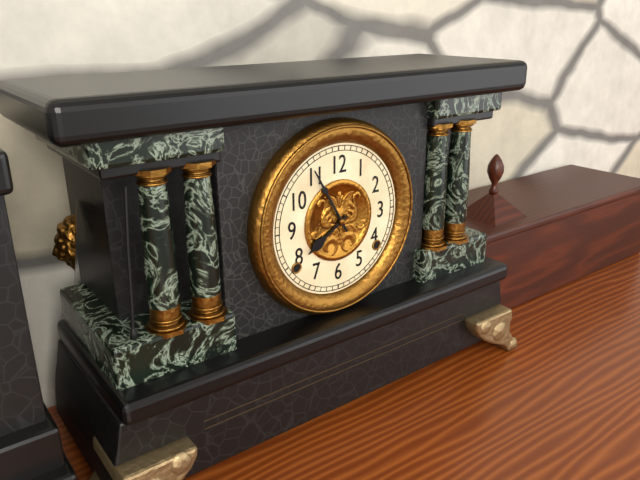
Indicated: 7,55
